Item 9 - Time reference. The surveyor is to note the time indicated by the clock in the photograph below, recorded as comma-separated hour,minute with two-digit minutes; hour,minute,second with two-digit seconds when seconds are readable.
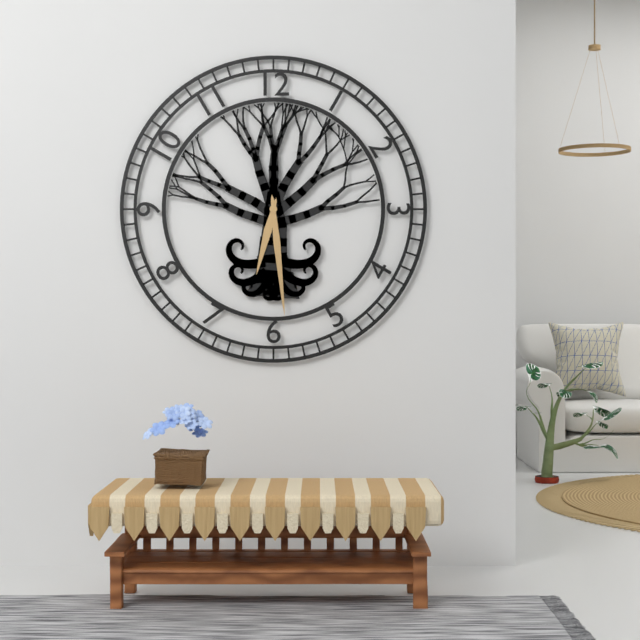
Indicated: 6,29
